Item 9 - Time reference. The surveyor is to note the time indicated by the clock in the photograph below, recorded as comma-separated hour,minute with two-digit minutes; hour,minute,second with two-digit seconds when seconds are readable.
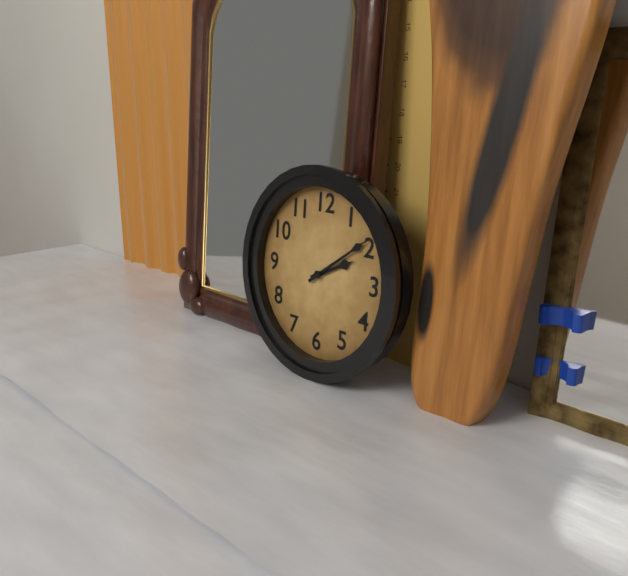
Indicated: 2,09
